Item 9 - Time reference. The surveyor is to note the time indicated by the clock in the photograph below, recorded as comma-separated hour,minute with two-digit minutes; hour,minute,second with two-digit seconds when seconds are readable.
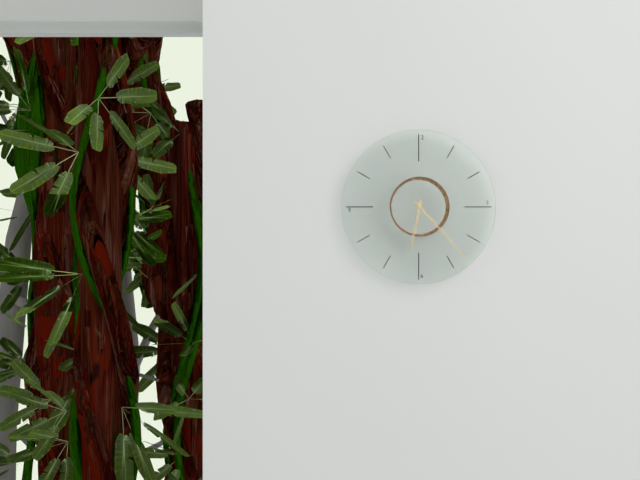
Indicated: 6,23
